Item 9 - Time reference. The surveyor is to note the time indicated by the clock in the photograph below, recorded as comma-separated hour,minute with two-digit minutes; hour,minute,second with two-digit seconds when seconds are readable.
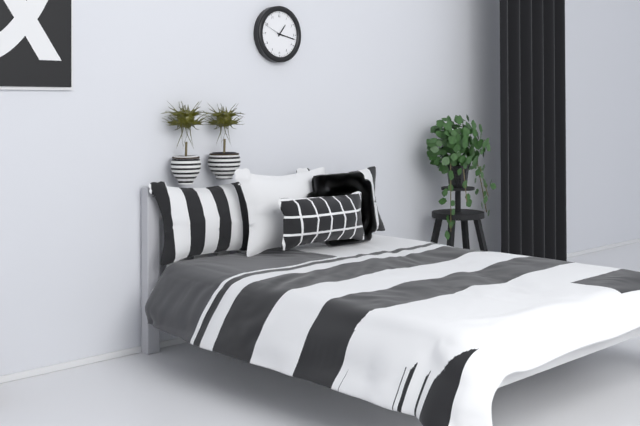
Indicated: 1,17
